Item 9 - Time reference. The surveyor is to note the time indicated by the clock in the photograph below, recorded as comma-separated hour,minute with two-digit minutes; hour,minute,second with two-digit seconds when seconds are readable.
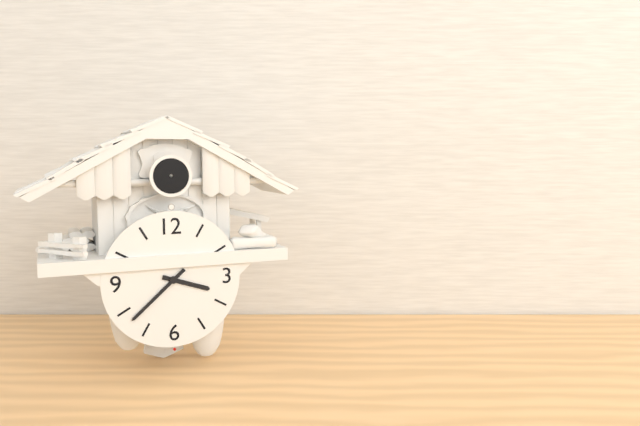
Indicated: 3,38
